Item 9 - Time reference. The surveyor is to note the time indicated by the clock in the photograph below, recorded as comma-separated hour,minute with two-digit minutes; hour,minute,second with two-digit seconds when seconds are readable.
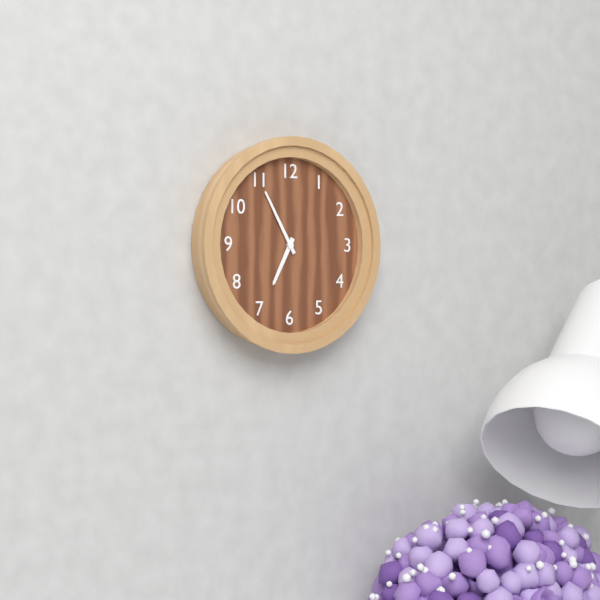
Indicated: 6,55
